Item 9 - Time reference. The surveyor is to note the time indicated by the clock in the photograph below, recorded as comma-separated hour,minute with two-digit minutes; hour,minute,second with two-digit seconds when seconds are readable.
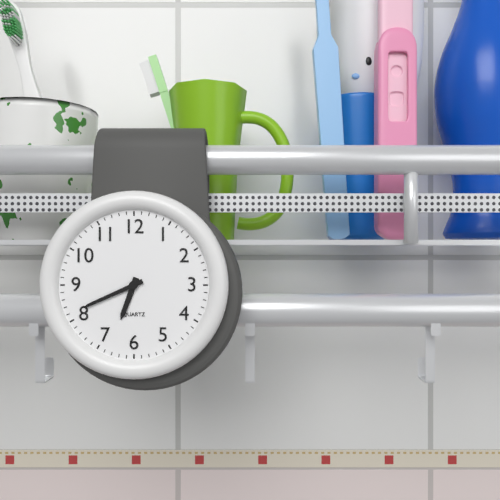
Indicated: 6,41
